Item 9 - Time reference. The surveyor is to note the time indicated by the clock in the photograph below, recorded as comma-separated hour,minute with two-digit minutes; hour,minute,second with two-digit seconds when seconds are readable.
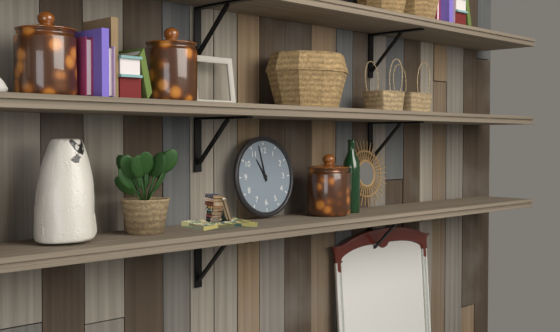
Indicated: 10,58
